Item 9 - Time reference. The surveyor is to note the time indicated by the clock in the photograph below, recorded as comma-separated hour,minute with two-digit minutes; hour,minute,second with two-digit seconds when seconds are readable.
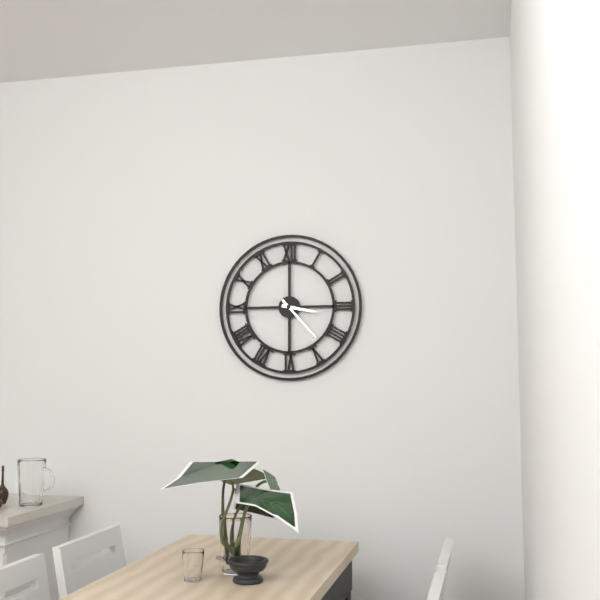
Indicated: 3,23
